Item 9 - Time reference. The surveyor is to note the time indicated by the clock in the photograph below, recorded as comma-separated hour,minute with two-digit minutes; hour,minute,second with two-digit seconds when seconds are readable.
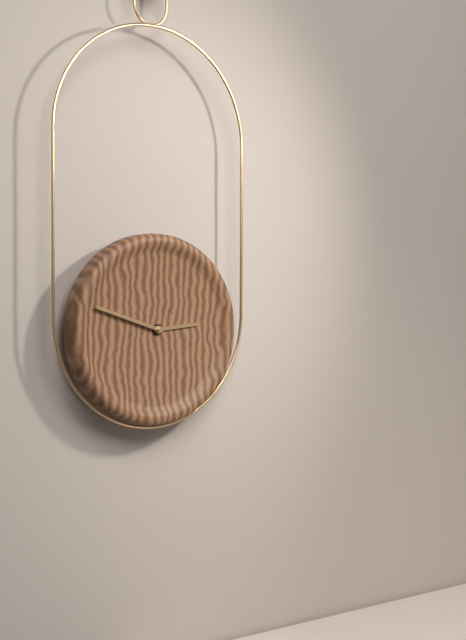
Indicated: 2,48
